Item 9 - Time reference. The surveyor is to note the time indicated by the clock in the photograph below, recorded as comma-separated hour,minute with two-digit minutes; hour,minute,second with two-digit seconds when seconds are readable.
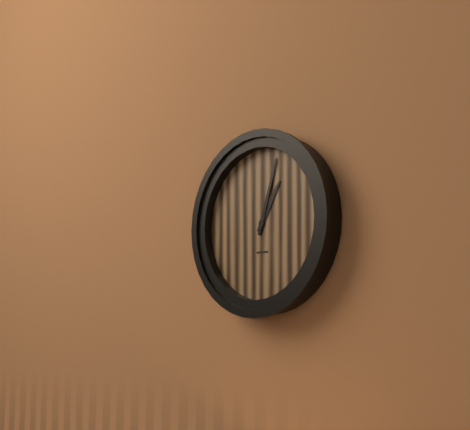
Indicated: 1,03
